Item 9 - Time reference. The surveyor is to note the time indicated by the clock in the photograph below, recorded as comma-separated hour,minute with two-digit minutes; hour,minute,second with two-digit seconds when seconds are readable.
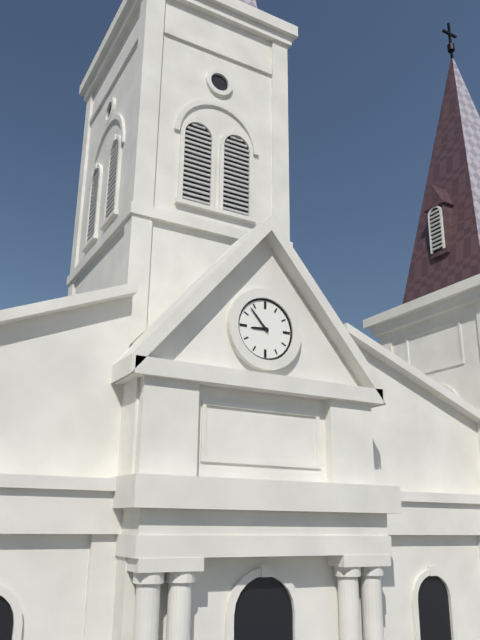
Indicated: 8,53
